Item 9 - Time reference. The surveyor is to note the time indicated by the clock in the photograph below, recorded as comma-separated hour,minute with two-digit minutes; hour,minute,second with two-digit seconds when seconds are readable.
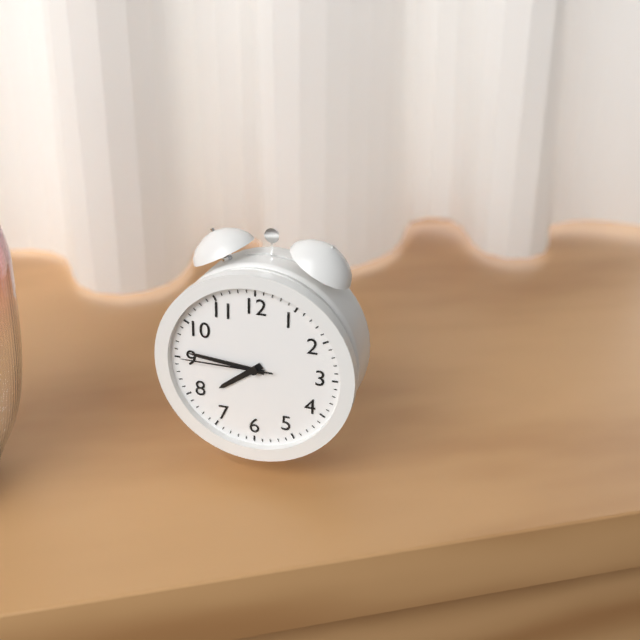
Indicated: 7,46,45
